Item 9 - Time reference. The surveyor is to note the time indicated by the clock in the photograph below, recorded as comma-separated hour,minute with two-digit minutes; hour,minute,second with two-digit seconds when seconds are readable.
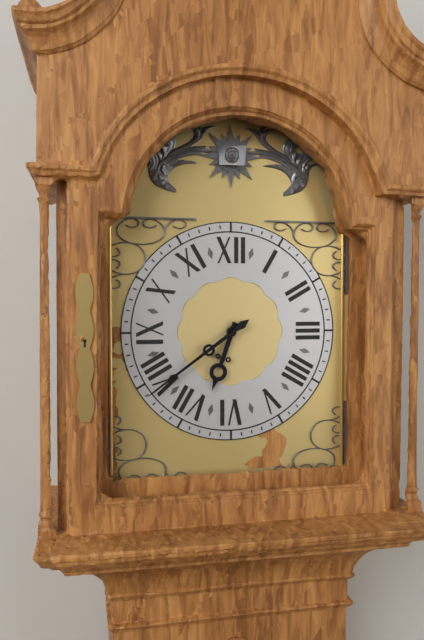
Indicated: 6,39
